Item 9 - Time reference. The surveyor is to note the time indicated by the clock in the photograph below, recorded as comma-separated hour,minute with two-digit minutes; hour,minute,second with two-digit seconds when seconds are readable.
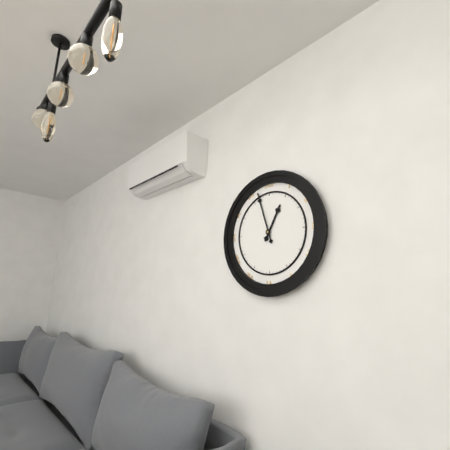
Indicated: 12,57
